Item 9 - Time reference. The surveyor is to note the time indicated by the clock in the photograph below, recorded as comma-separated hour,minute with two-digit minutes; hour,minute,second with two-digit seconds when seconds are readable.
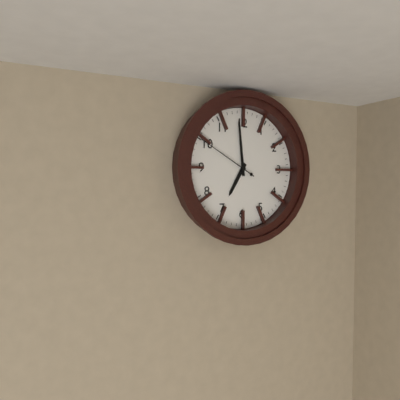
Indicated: 6,59,50
